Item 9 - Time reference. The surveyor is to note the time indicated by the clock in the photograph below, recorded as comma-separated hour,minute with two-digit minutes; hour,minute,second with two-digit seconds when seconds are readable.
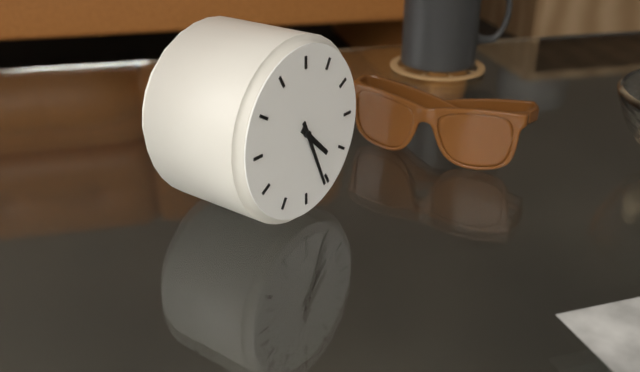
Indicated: 4,26
